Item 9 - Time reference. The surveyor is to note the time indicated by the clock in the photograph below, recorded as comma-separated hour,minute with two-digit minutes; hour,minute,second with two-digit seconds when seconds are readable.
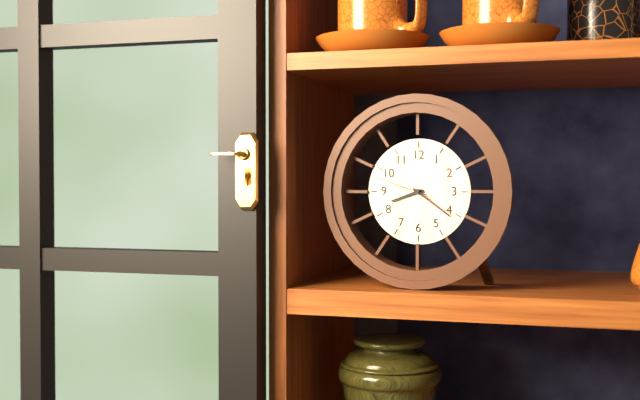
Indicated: 8,21,48
